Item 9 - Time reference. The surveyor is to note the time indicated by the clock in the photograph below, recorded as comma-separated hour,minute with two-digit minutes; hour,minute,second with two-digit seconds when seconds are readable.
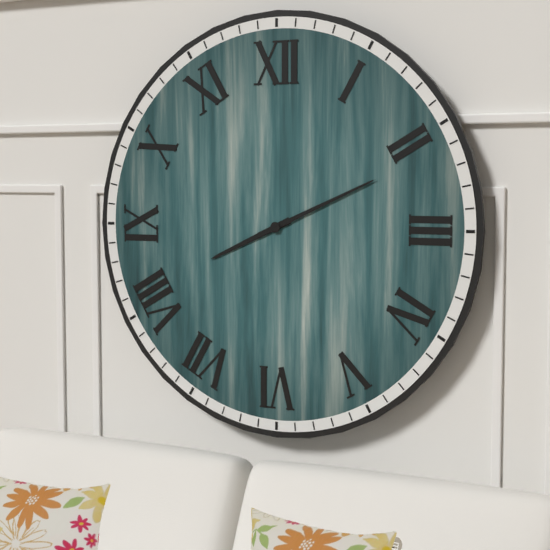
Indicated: 8,11
